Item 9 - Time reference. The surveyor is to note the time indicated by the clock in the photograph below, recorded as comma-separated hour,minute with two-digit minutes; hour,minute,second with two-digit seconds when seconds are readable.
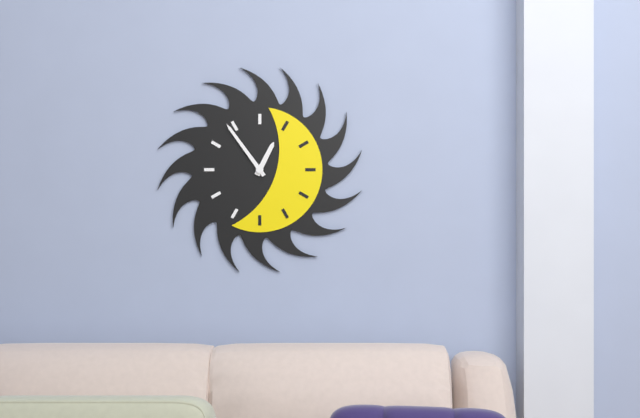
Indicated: 12,54
